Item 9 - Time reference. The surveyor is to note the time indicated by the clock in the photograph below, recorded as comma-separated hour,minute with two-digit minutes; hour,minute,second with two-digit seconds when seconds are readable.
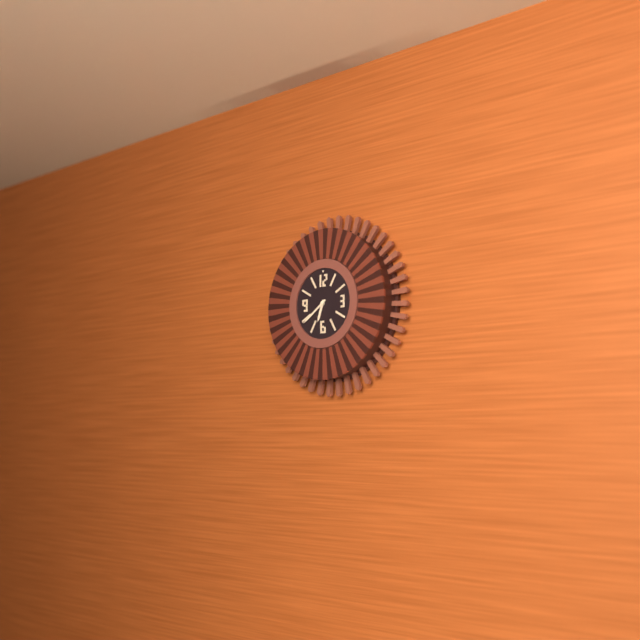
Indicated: 6,39
